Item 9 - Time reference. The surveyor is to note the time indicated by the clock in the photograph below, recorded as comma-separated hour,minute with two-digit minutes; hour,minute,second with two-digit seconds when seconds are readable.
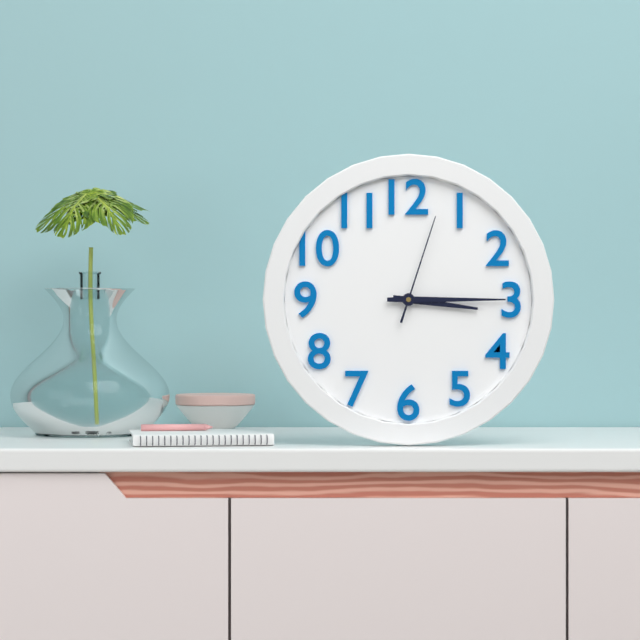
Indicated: 3,15,03
